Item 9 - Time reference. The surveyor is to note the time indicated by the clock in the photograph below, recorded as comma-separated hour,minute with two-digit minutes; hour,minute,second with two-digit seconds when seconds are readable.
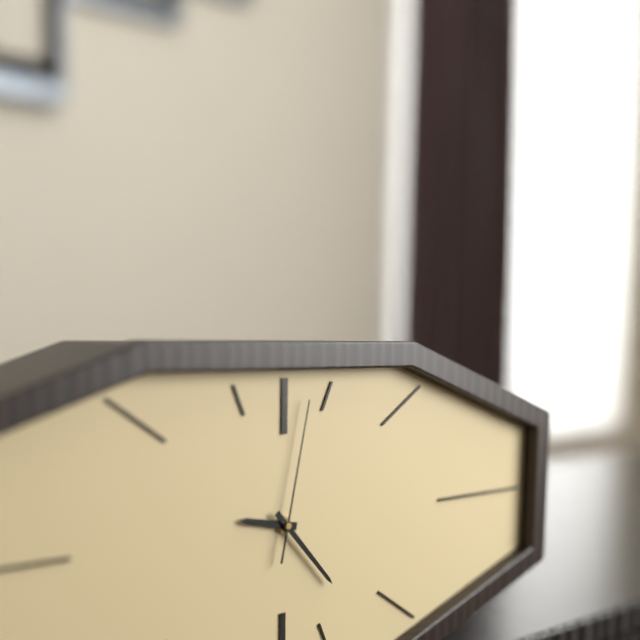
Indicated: 9,23,02
